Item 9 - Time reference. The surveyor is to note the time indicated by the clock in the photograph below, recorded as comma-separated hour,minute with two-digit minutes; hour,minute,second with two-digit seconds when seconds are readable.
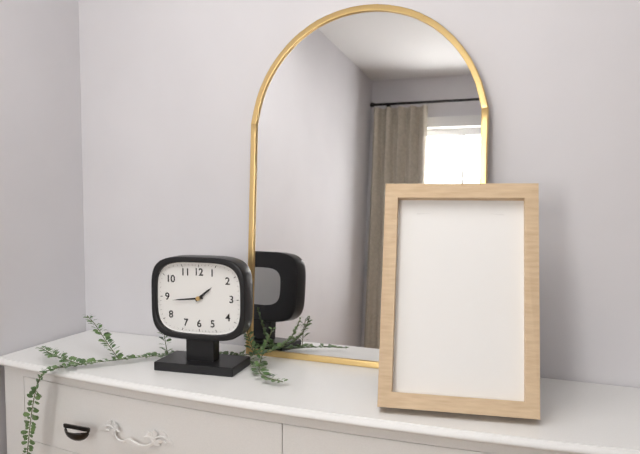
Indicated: 1,44
